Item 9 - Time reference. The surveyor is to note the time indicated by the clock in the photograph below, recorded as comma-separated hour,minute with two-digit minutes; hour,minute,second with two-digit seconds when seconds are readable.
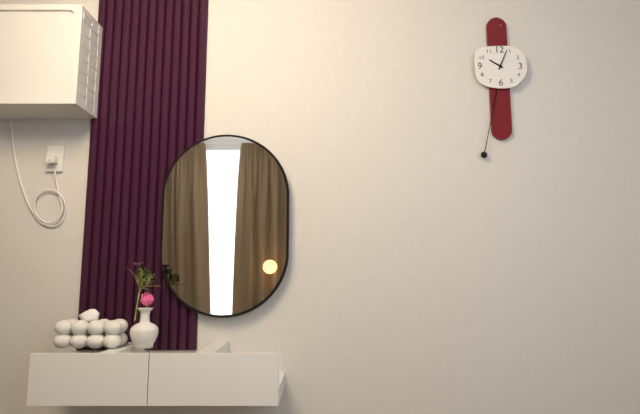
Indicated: 10,04
